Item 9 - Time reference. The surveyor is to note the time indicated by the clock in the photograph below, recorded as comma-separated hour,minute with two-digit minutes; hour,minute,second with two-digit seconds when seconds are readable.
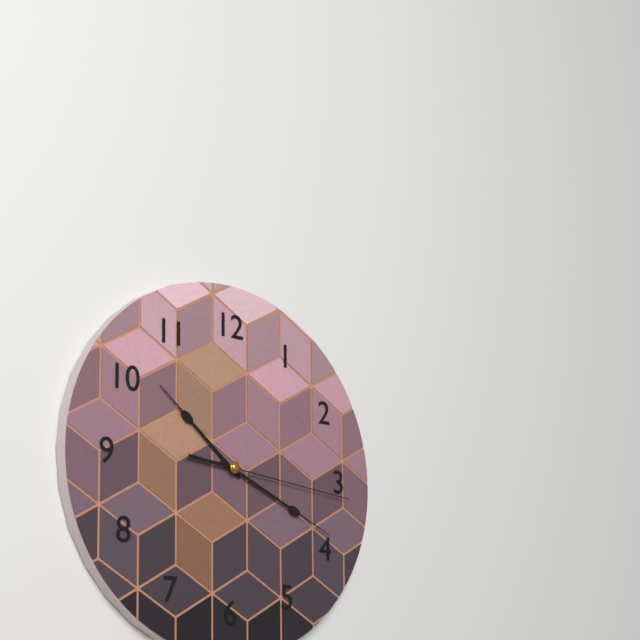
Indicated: 10,19,16
